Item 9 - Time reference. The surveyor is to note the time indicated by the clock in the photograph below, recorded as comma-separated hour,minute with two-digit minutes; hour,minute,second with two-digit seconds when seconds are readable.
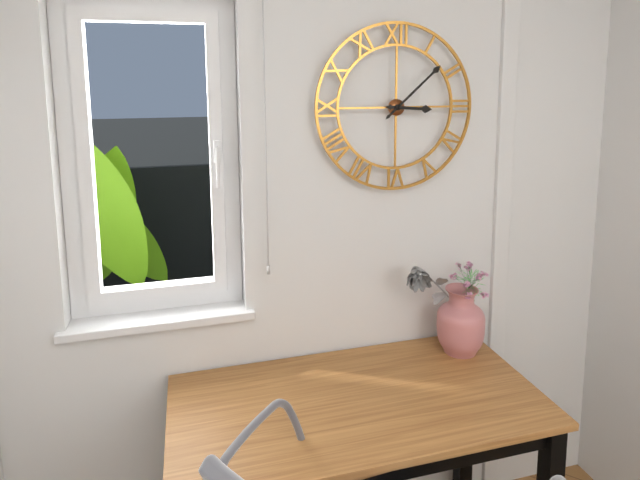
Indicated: 3,08
